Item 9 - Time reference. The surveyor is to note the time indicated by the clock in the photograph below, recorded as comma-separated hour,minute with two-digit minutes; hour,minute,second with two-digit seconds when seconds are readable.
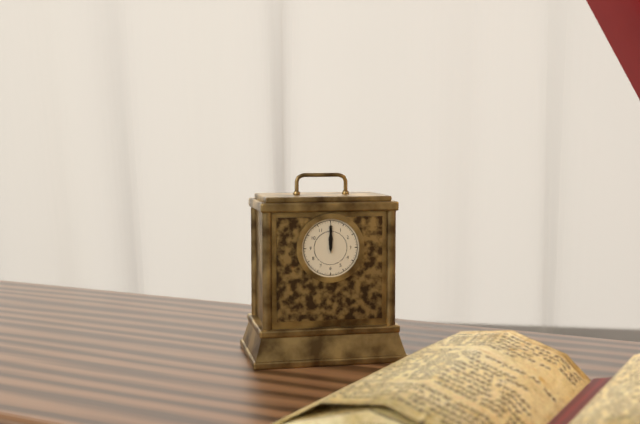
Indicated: 12,00
